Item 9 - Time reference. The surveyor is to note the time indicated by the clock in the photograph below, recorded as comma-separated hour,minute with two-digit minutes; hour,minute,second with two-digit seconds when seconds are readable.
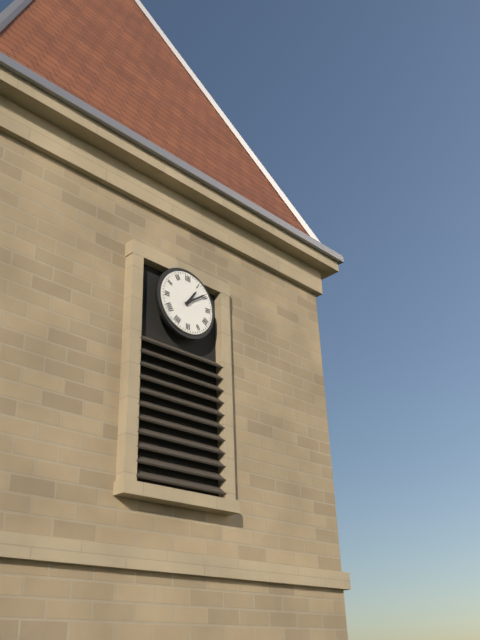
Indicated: 1,09
